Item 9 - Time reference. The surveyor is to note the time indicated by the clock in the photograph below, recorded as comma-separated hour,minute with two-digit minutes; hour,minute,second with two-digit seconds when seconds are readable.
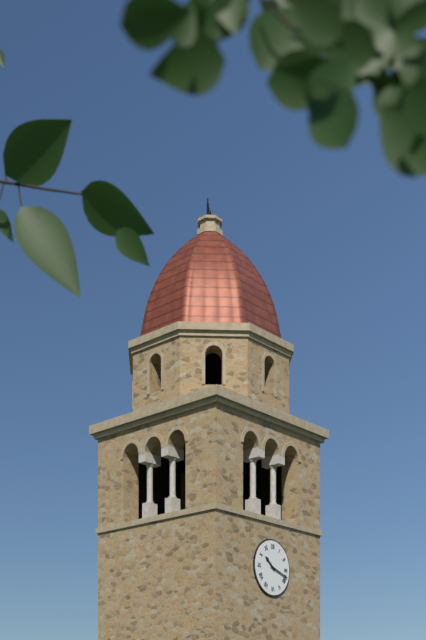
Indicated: 10,18
